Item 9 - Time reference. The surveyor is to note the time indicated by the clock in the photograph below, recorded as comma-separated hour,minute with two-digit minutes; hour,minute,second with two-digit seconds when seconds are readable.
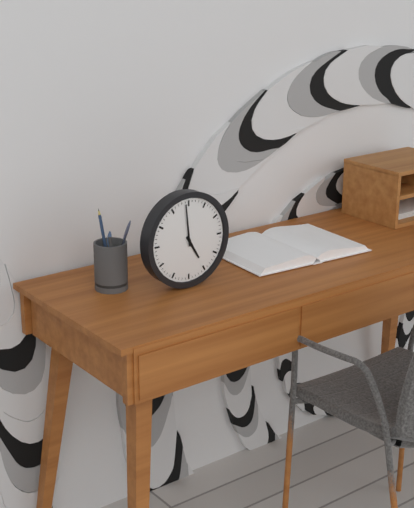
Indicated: 4,59
